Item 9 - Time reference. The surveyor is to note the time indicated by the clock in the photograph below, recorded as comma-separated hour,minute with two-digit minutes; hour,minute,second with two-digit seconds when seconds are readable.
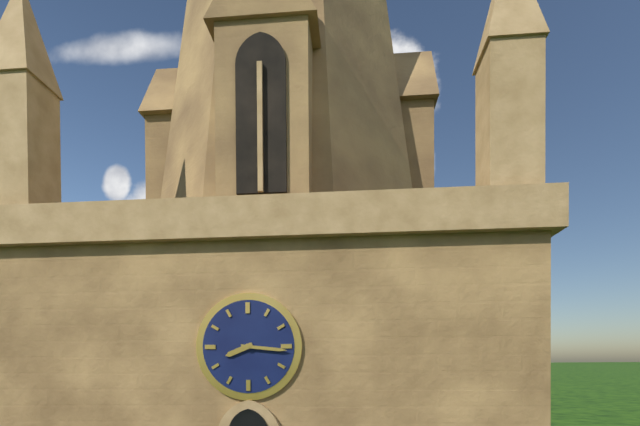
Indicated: 8,16
